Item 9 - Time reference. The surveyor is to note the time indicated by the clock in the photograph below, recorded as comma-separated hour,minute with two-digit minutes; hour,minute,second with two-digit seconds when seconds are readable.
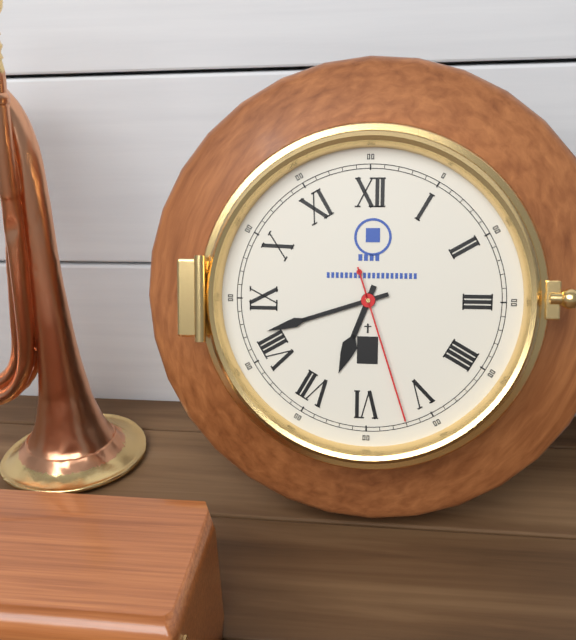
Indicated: 6,42,27
